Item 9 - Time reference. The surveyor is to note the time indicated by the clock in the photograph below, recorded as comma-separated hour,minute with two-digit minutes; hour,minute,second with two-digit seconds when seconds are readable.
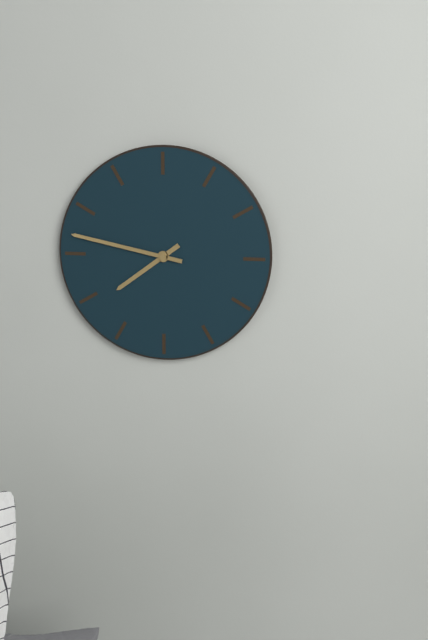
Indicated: 7,47
